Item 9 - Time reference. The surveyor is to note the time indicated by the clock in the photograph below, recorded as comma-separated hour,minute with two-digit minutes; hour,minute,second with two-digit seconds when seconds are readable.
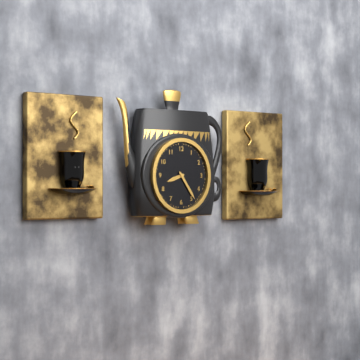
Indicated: 8,24
